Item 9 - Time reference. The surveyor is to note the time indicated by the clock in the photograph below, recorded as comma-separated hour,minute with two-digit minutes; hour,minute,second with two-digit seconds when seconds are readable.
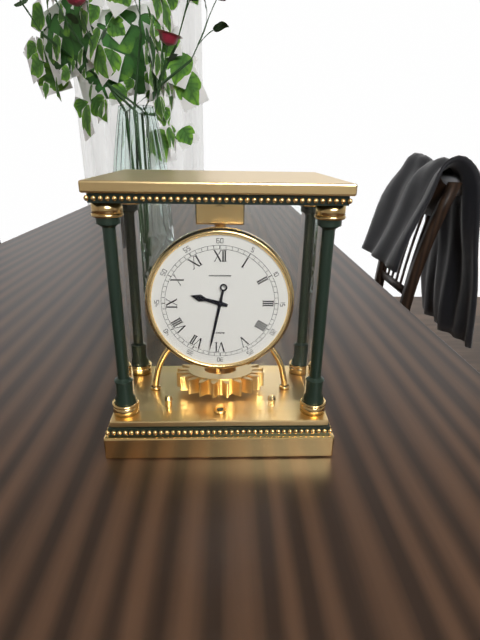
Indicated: 9,32
